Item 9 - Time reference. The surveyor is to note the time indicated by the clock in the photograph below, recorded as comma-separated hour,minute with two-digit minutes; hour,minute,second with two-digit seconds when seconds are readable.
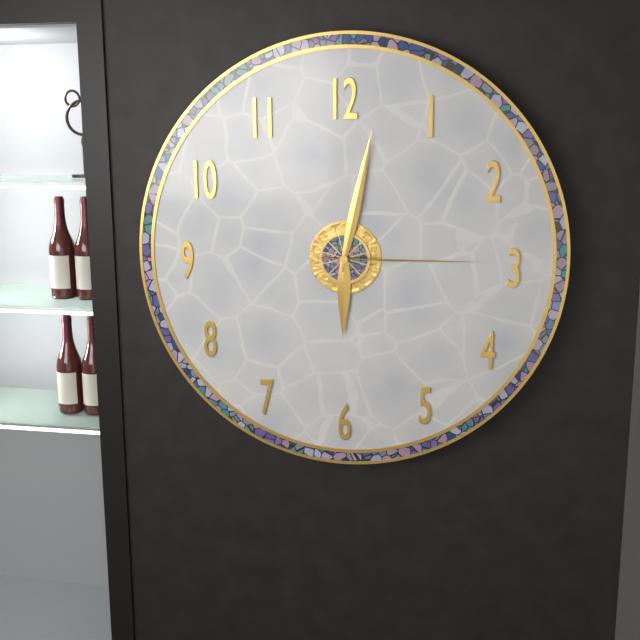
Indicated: 6,02,15
